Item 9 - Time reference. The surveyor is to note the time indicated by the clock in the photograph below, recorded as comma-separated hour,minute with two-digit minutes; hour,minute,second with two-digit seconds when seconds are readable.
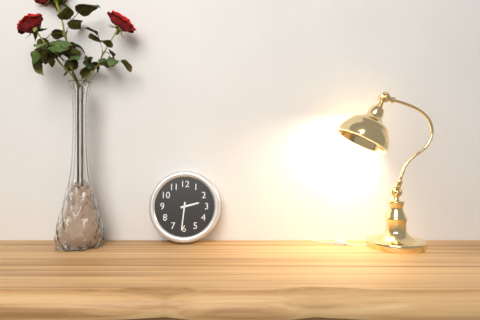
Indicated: 2,31
